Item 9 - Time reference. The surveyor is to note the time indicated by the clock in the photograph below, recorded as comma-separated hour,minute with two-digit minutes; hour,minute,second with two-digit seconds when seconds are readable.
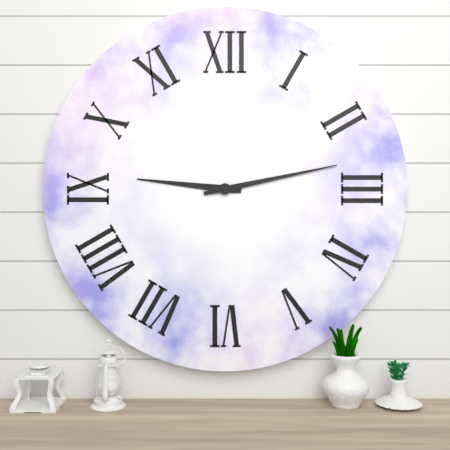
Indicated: 9,13
